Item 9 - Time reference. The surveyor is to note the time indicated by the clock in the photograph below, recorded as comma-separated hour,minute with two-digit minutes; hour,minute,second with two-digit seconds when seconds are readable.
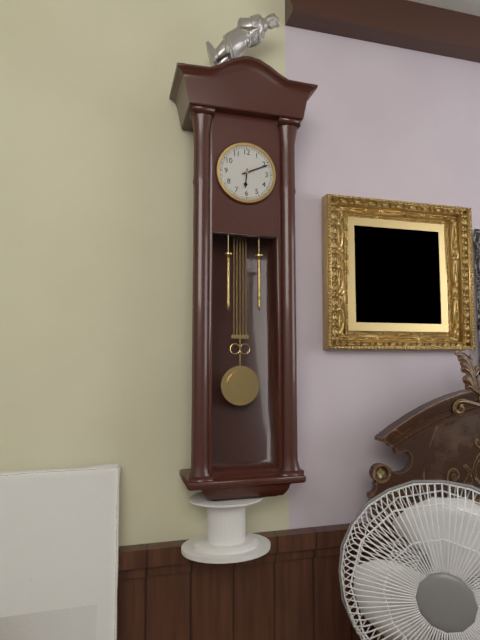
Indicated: 6,11
